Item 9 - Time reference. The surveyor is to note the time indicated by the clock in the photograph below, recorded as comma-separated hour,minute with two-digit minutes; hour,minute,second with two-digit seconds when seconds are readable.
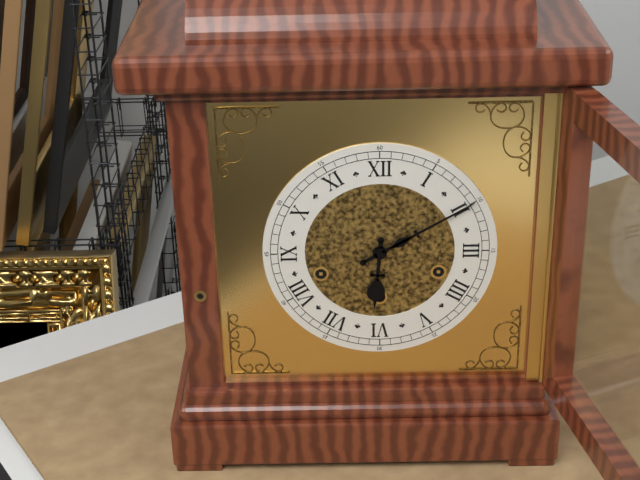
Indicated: 6,10
